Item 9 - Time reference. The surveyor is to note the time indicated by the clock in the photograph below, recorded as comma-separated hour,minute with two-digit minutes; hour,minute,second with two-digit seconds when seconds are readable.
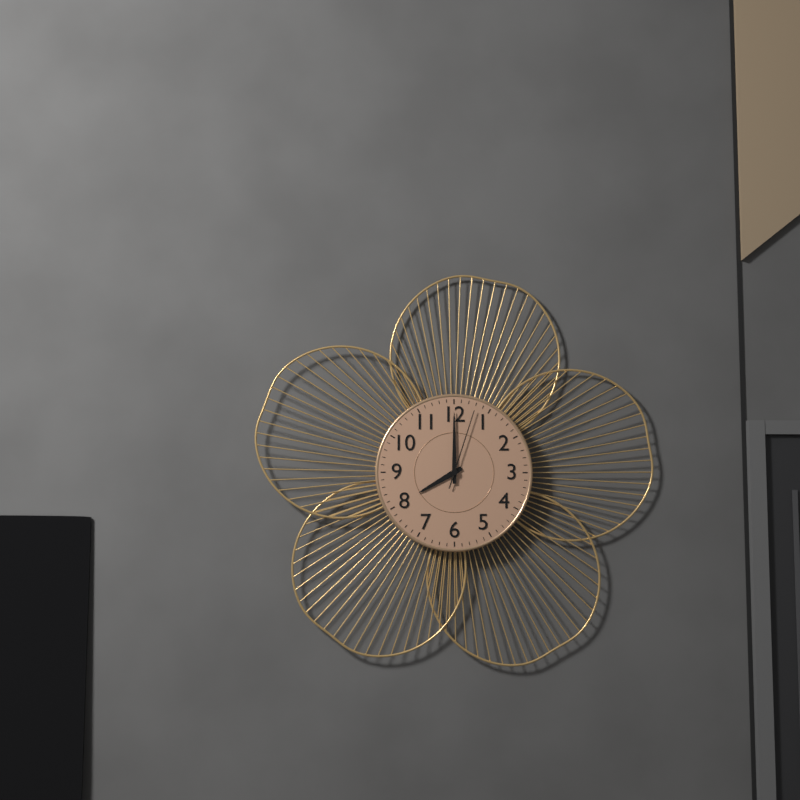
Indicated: 8,00,03
